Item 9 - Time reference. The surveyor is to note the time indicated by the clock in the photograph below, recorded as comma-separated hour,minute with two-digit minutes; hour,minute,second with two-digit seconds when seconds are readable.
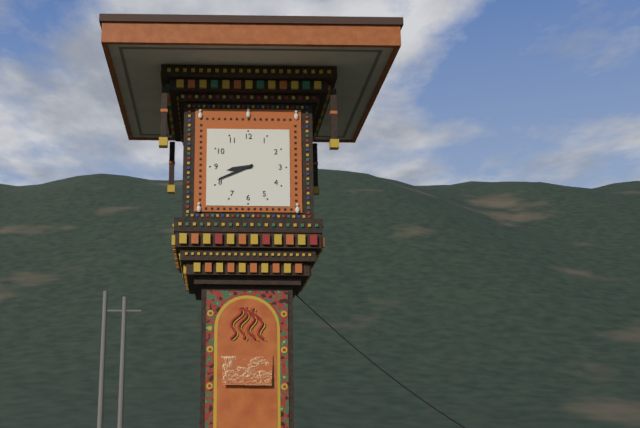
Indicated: 8,41
